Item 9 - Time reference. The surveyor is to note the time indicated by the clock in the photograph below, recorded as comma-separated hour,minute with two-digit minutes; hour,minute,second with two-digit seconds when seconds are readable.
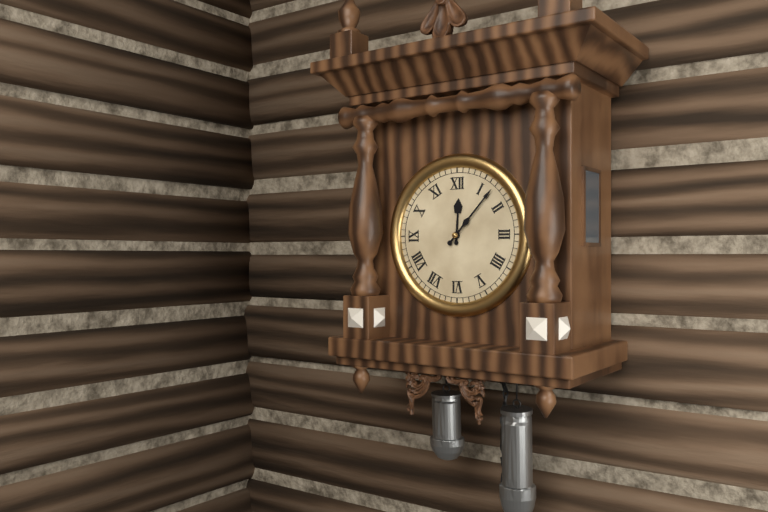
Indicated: 12,07
